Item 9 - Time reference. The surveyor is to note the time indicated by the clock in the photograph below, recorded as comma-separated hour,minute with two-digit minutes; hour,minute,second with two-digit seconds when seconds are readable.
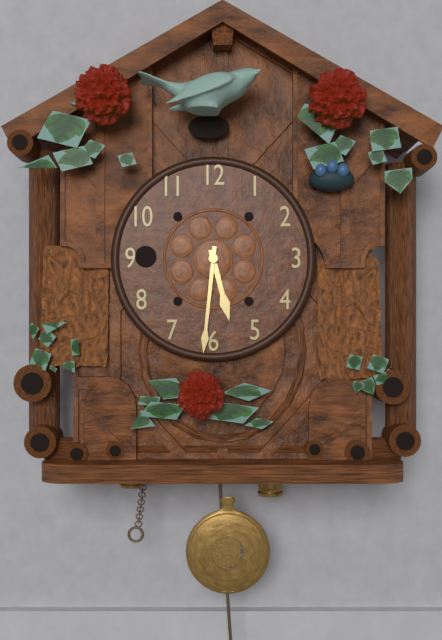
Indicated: 5,31
